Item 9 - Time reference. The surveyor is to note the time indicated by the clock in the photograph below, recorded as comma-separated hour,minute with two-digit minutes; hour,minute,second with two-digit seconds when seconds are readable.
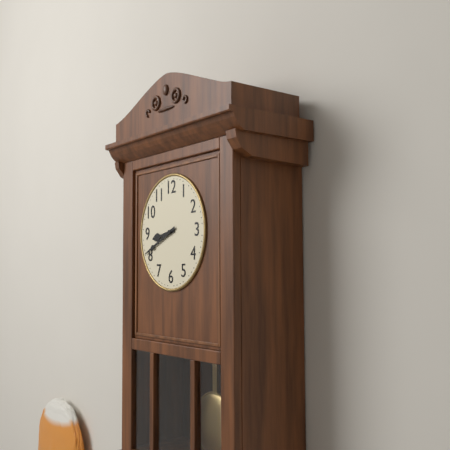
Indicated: 8,41
